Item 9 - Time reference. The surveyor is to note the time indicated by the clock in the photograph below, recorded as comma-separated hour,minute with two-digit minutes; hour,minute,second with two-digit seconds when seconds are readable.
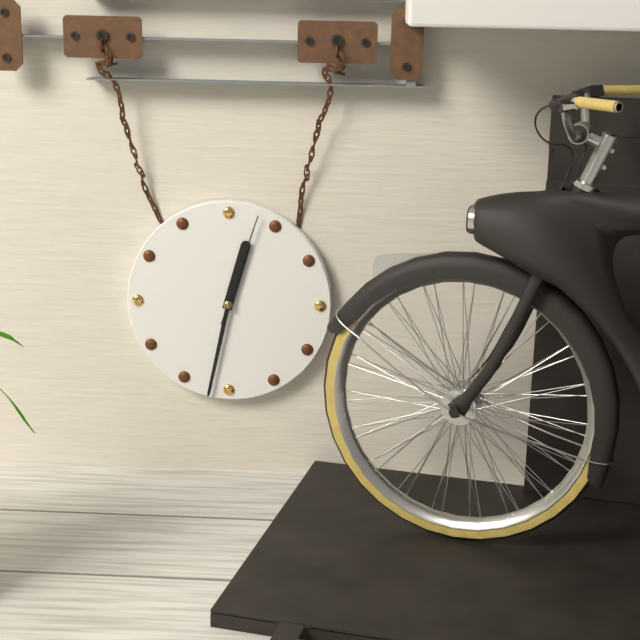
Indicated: 12,32,03
